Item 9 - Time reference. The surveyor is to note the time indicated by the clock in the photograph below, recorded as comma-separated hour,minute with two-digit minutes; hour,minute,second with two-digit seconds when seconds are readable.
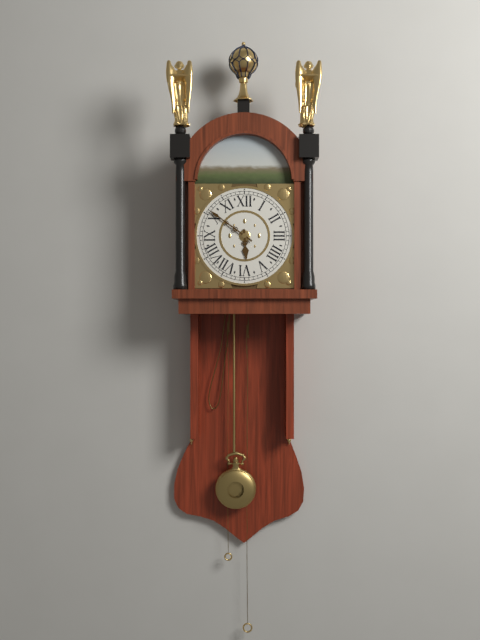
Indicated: 5,51
